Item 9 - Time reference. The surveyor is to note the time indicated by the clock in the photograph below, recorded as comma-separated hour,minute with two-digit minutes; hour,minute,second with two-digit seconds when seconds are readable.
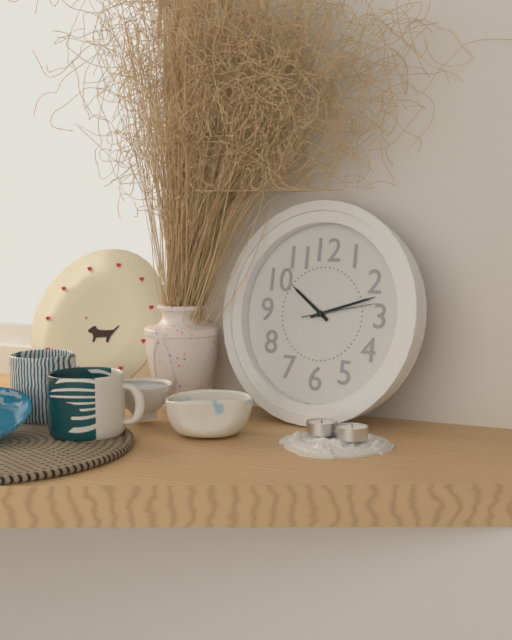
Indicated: 10,12,13
